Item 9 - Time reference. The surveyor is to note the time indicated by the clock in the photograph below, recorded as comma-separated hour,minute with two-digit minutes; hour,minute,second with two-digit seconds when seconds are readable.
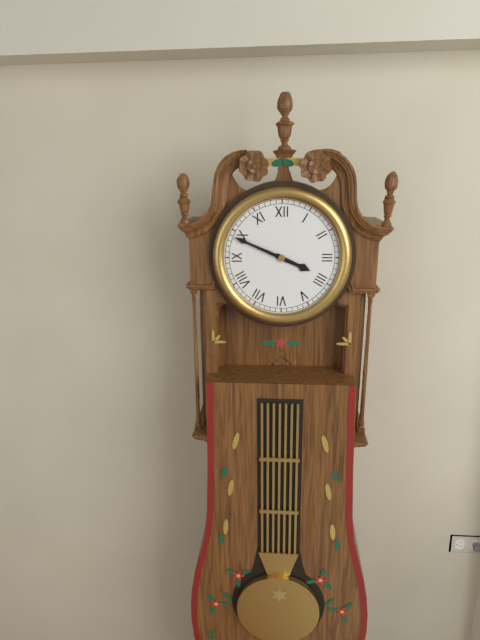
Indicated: 3,49
